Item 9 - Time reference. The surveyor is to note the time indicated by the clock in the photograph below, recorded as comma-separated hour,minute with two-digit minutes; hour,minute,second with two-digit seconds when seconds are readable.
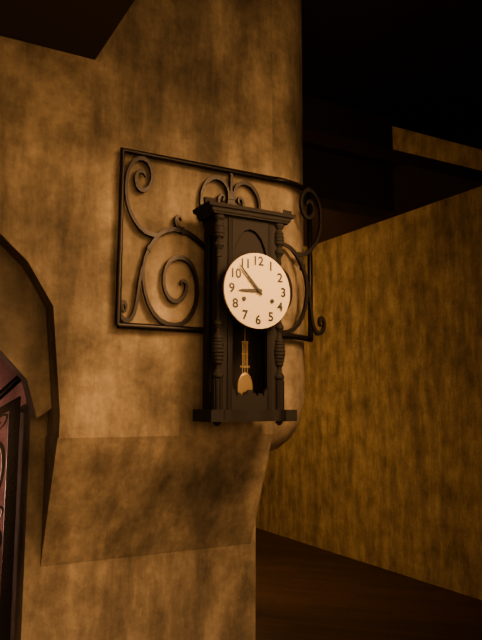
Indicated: 8,53
